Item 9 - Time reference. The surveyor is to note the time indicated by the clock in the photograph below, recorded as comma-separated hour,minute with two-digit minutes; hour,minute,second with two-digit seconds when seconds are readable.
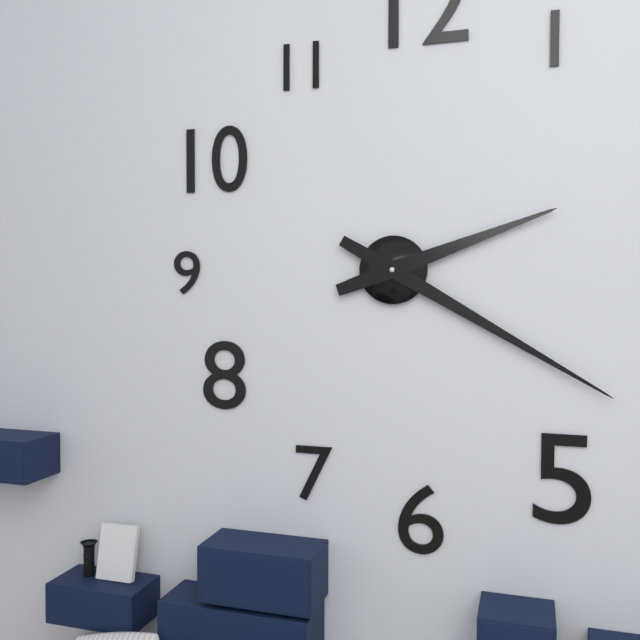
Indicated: 2,20
